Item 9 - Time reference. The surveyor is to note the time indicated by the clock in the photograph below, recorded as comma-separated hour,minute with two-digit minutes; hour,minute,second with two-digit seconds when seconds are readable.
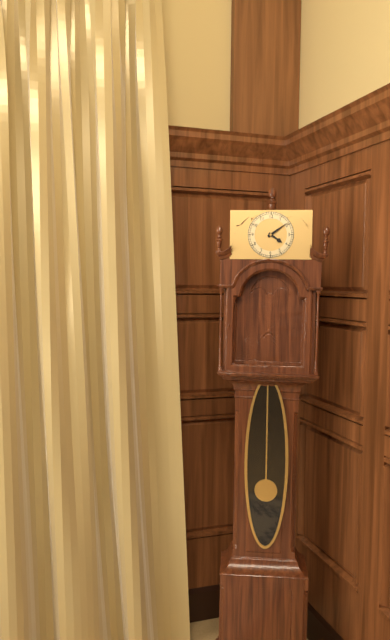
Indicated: 4,09
